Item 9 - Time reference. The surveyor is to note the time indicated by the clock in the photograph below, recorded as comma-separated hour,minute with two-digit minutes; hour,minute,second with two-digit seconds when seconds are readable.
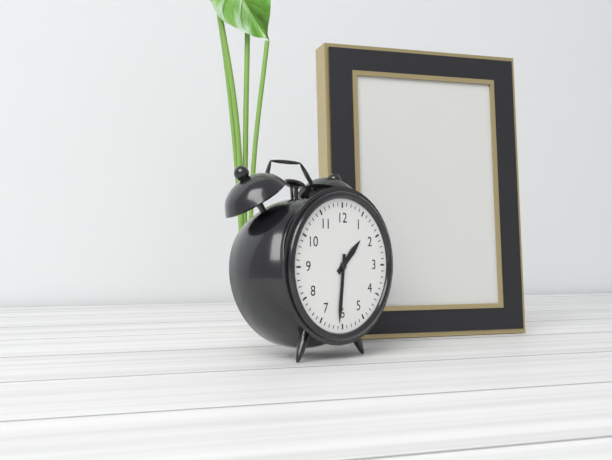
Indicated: 1,31
